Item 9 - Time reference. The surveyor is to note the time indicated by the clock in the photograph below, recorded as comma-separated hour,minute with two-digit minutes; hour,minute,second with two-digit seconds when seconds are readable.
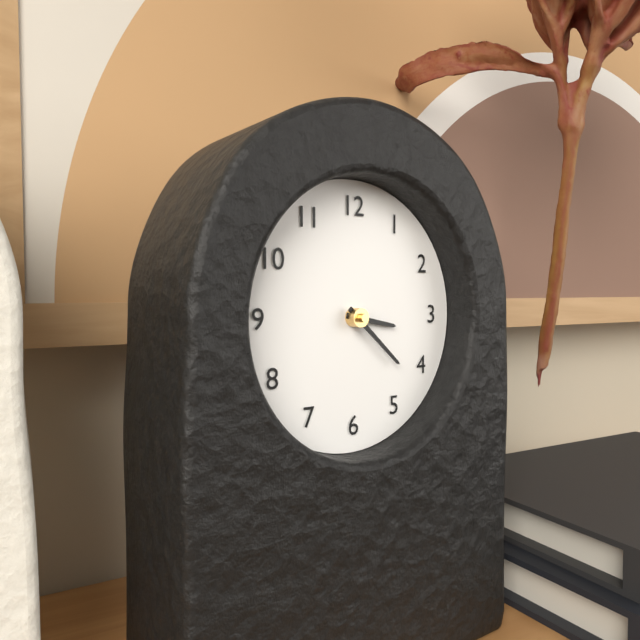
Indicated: 3,22
